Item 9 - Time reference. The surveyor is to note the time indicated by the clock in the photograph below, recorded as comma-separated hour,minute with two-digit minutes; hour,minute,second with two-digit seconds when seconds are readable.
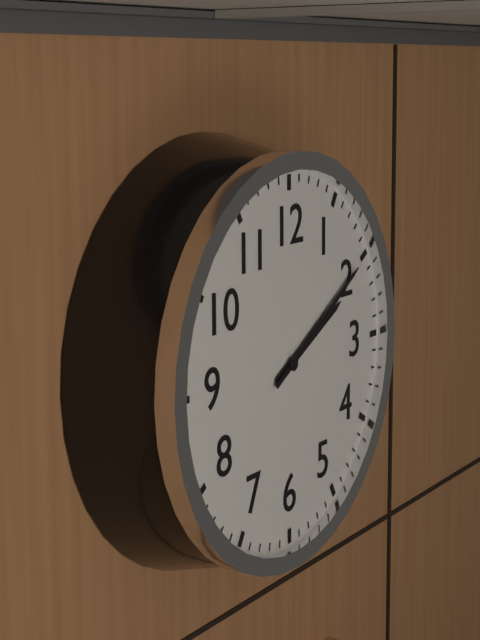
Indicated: 2,10
